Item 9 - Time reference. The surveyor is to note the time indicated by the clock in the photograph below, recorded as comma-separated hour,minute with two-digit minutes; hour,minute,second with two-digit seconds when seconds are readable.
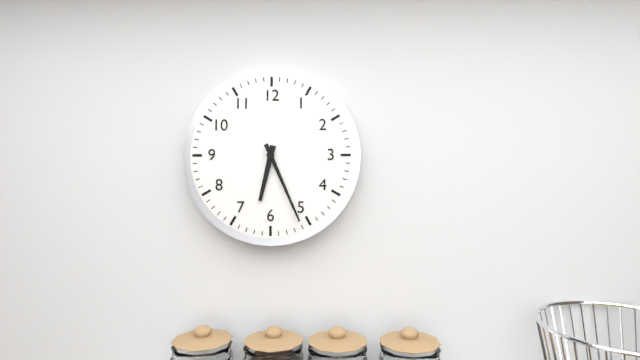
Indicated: 6,26
